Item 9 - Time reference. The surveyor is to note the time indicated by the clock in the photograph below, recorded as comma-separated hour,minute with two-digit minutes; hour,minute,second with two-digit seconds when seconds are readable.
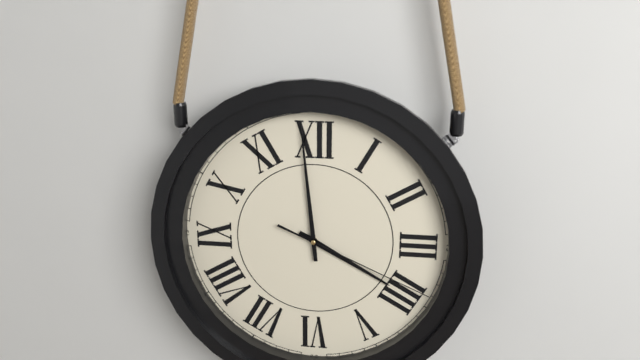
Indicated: 3,59,19
